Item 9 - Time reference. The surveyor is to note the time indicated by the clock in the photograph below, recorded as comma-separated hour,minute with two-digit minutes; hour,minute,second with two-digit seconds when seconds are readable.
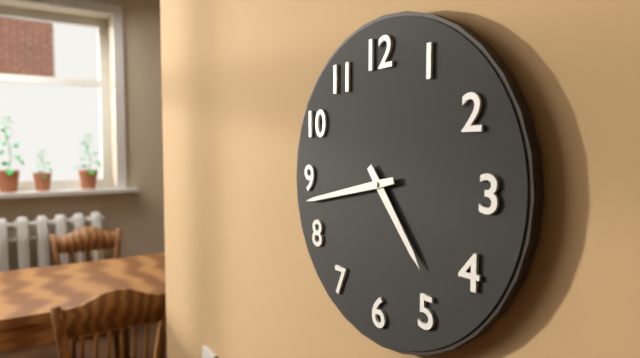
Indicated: 4,43
